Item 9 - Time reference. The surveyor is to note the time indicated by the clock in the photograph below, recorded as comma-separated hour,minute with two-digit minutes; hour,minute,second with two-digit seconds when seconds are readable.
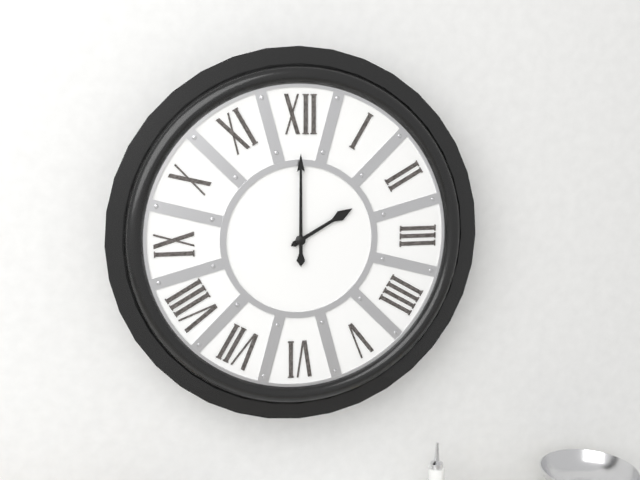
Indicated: 2,00
